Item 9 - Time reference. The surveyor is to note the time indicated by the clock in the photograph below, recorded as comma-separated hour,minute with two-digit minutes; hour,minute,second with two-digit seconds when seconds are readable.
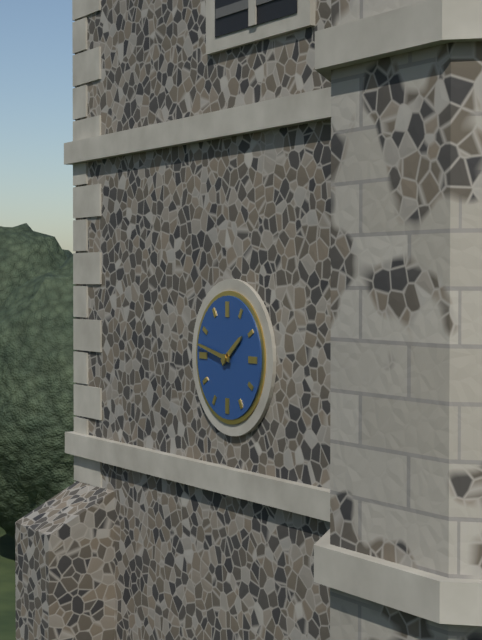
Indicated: 1,47
